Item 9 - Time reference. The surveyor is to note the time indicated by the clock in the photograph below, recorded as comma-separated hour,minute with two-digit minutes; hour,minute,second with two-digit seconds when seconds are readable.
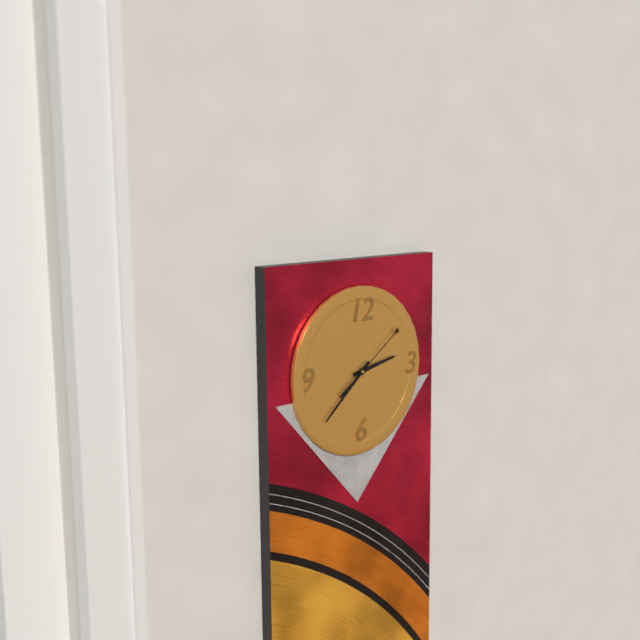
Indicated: 2,38,09
